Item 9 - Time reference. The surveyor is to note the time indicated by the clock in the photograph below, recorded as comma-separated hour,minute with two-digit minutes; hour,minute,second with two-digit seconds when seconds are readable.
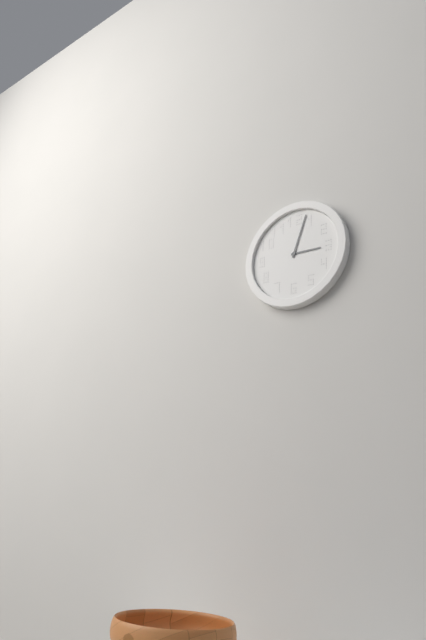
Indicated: 3,03
